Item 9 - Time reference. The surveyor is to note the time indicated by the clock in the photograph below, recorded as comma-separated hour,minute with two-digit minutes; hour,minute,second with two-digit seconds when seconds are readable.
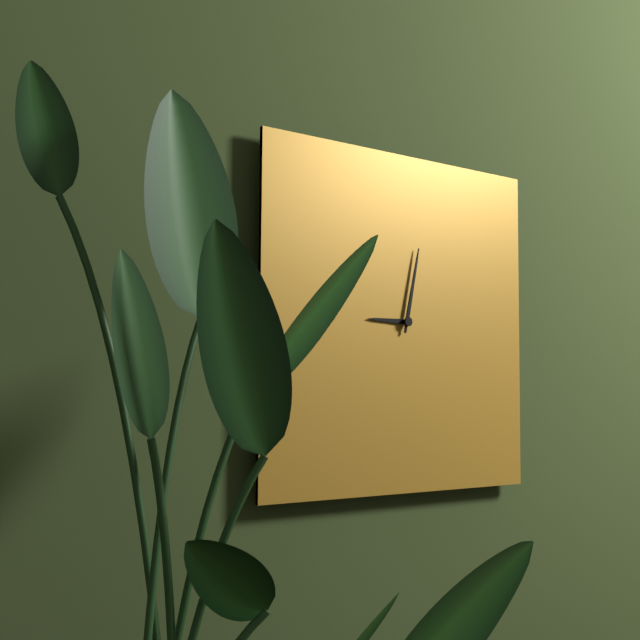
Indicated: 9,02
